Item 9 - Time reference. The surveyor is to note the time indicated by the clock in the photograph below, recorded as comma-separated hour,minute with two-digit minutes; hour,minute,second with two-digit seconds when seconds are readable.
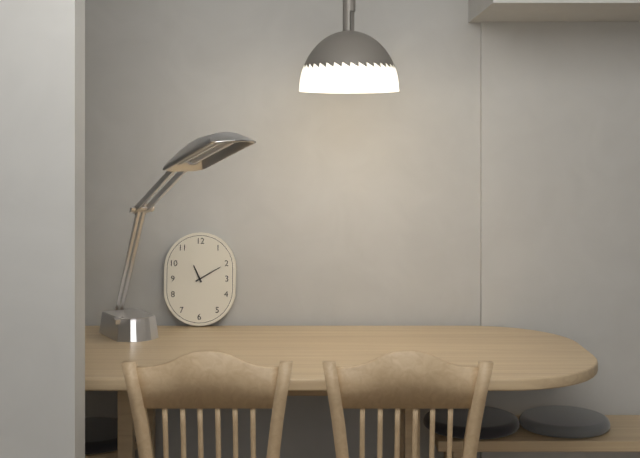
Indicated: 11,10
